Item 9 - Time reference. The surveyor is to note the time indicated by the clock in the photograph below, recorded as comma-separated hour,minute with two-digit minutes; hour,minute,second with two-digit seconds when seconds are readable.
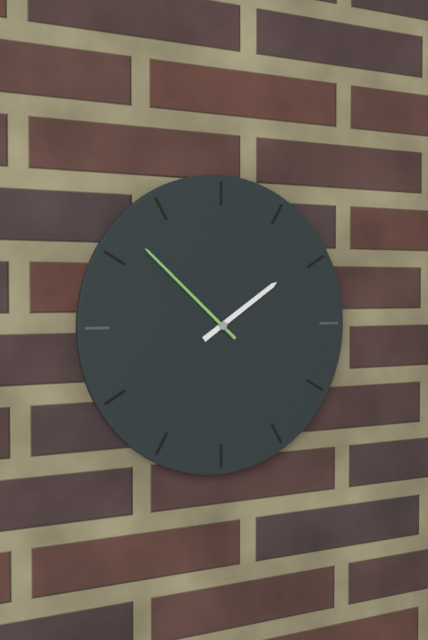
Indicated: 1,52
